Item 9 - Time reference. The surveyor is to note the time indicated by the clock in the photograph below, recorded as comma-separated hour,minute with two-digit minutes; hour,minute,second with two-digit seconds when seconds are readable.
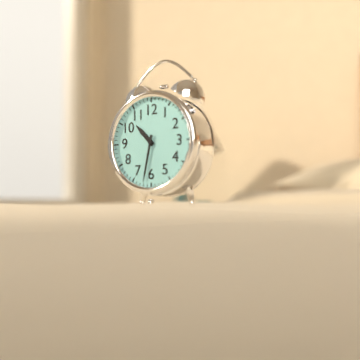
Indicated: 10,32
